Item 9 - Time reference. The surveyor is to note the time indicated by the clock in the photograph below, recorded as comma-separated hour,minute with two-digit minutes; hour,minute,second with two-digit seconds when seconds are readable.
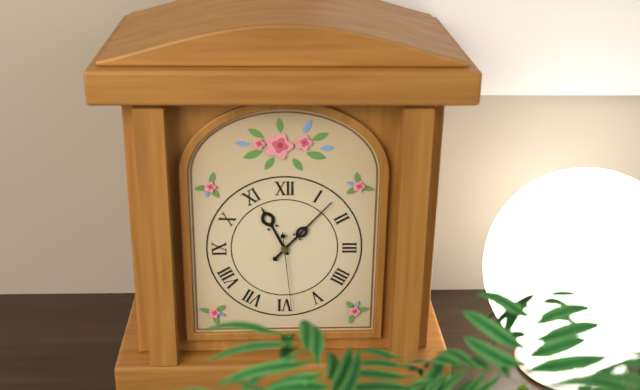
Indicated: 11,07,29
